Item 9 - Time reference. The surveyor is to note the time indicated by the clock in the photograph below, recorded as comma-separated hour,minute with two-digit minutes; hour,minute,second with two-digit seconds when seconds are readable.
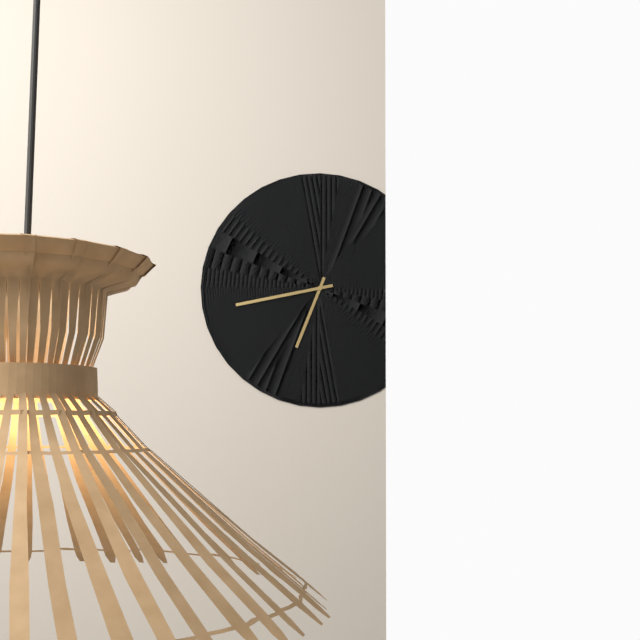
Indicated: 6,43
